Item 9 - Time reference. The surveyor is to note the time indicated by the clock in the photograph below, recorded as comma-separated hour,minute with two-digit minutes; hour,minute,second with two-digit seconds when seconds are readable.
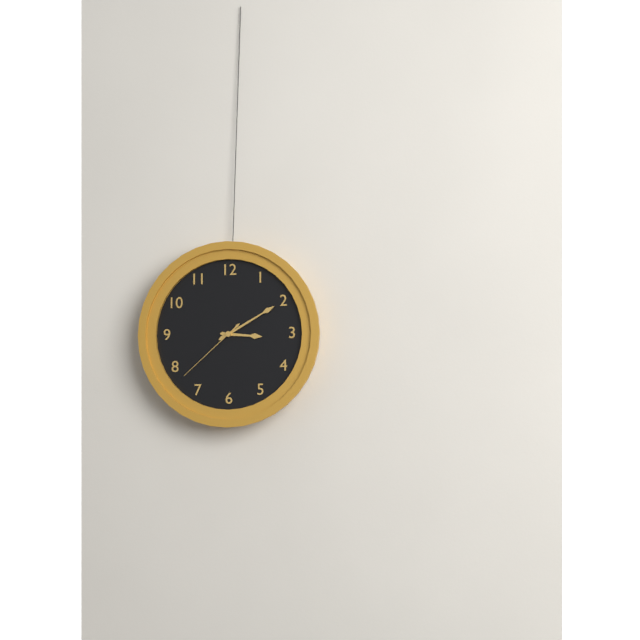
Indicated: 3,10,38
